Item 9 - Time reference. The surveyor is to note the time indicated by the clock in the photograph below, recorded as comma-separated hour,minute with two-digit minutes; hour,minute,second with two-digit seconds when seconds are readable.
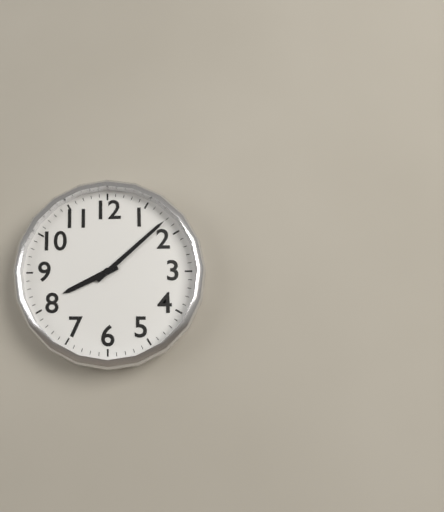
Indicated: 8,08
